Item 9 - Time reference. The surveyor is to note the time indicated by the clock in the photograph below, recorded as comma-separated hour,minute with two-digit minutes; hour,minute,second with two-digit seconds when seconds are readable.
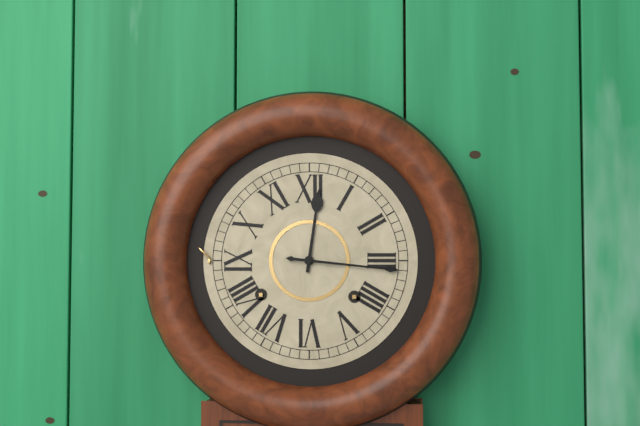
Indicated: 12,16
